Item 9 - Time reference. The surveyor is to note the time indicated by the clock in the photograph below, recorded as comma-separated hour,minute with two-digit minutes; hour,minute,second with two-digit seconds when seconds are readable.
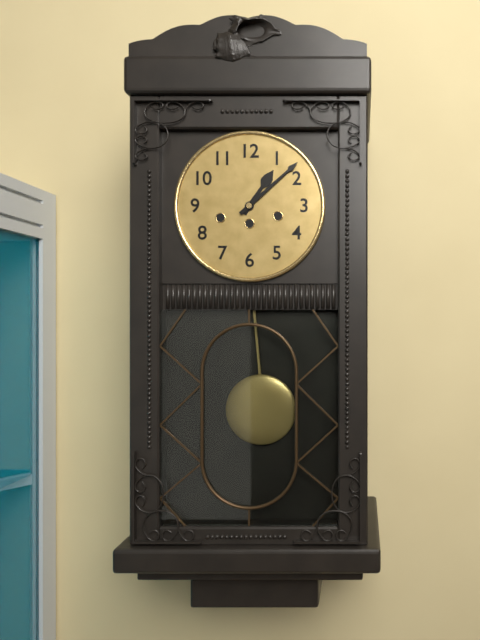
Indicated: 1,08
